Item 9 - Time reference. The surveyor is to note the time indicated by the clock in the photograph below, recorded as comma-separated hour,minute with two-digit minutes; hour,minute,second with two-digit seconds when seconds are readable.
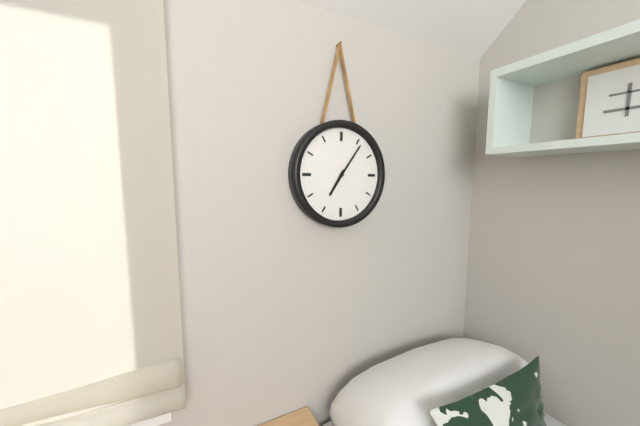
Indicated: 7,06
